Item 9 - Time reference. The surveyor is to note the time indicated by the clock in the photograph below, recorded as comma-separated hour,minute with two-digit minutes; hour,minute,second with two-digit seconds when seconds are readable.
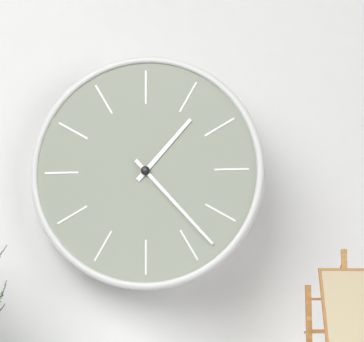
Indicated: 1,23
